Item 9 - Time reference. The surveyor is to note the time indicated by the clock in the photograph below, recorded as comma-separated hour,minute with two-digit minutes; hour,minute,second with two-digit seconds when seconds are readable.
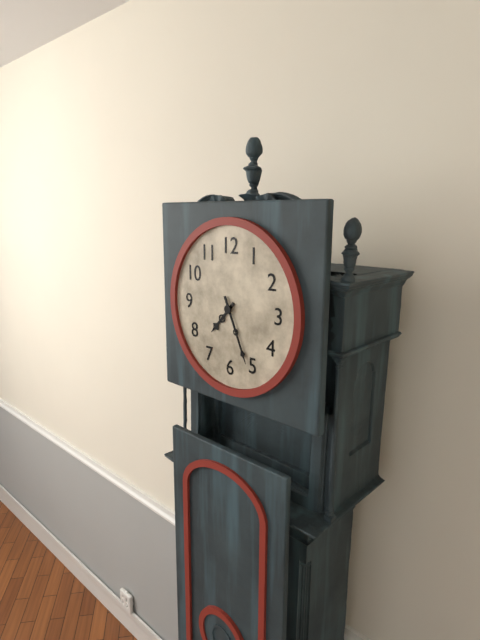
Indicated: 7,26
